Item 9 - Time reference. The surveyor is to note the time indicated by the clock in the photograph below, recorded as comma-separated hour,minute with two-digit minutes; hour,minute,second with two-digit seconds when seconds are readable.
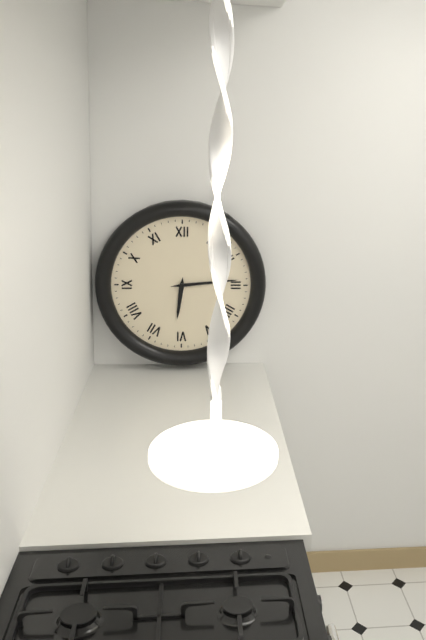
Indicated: 6,14
